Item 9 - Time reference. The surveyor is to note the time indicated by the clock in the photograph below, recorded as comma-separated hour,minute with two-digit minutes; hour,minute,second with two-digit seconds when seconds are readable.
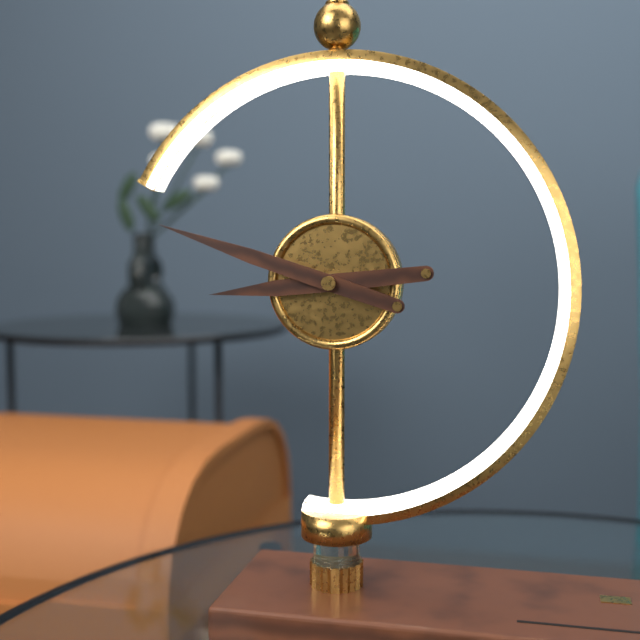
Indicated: 8,48
